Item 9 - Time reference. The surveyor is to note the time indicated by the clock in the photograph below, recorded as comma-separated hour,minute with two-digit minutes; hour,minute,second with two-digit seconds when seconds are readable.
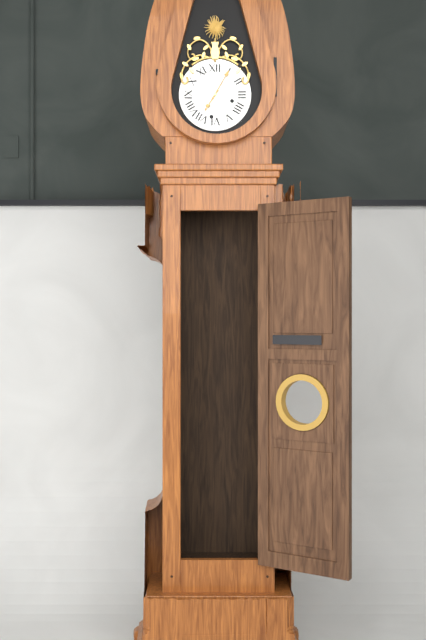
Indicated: 7,05
